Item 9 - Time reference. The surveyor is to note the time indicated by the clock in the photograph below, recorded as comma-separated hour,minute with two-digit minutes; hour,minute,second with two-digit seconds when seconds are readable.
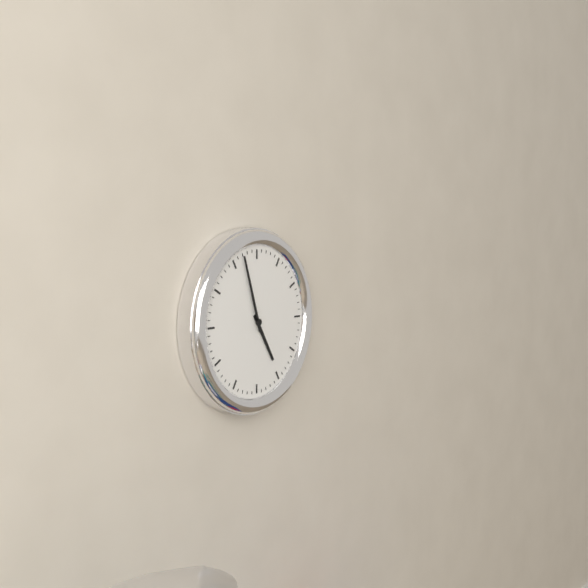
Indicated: 4,57
